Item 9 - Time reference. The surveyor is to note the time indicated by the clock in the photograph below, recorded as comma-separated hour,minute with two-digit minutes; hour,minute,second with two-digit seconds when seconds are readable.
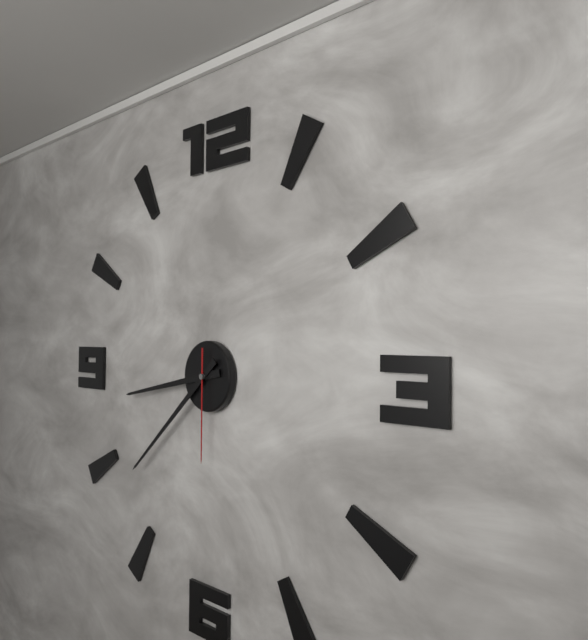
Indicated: 8,38,30
